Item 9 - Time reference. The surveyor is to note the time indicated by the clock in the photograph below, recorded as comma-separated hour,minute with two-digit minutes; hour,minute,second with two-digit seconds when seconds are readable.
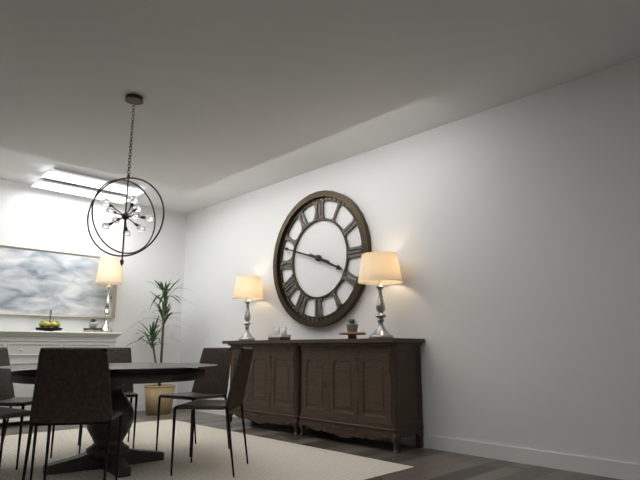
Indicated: 3,48
